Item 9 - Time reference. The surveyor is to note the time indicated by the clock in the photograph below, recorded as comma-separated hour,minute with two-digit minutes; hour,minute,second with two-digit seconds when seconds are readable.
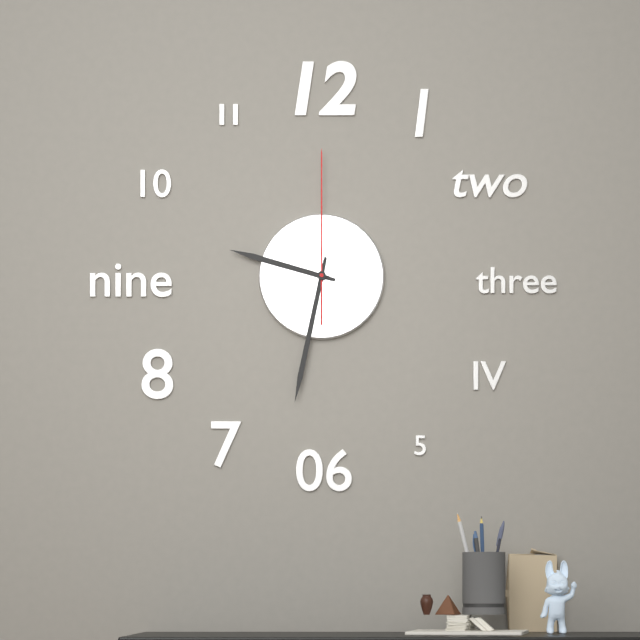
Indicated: 9,32,00
